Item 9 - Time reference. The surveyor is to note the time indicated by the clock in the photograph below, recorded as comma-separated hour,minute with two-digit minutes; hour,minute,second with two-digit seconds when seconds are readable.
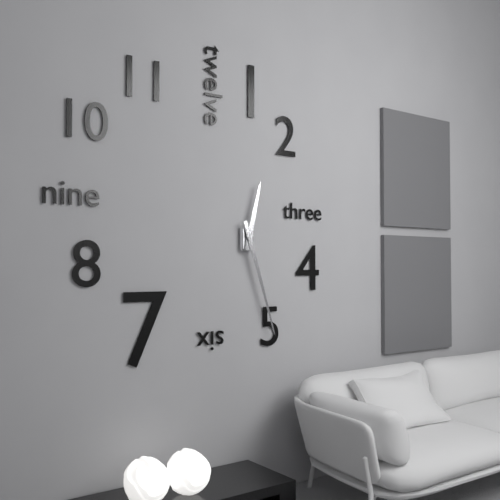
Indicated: 12,27
